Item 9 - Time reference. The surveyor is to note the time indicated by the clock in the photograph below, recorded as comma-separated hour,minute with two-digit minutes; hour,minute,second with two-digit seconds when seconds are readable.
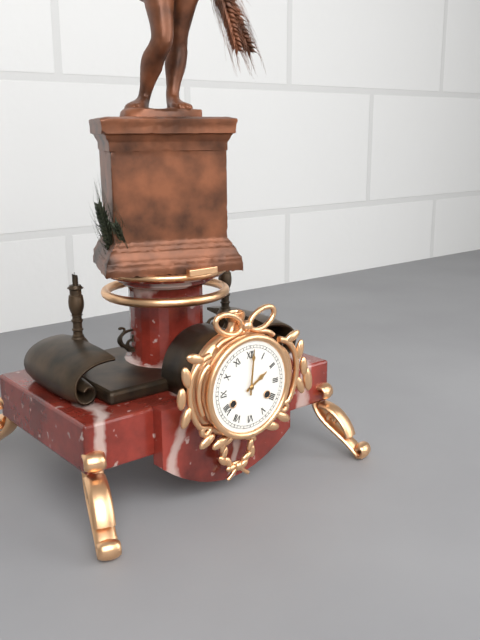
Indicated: 2,01
